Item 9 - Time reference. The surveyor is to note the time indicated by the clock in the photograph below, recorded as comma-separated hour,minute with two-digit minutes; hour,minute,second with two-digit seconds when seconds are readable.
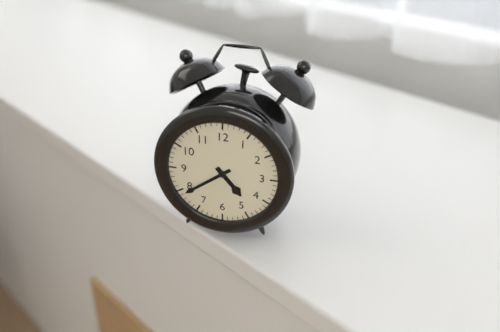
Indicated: 4,39
